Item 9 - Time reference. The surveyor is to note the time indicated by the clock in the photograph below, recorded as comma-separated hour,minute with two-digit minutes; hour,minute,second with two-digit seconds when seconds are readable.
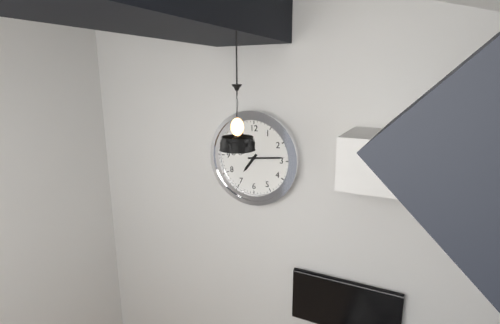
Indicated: 7,14
